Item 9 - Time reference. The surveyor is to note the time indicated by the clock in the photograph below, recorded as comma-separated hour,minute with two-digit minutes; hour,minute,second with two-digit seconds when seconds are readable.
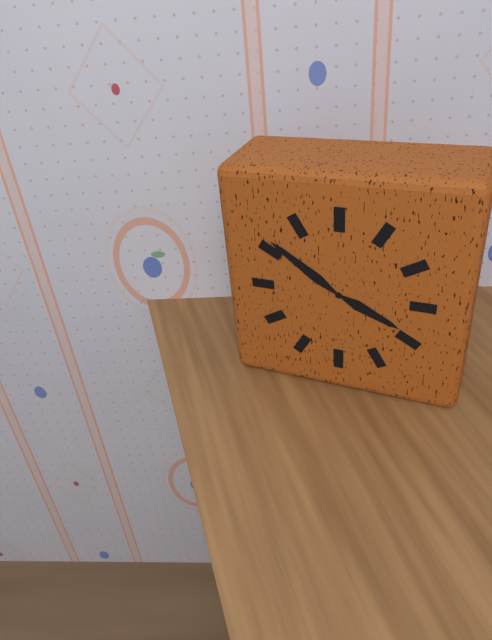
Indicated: 3,51
